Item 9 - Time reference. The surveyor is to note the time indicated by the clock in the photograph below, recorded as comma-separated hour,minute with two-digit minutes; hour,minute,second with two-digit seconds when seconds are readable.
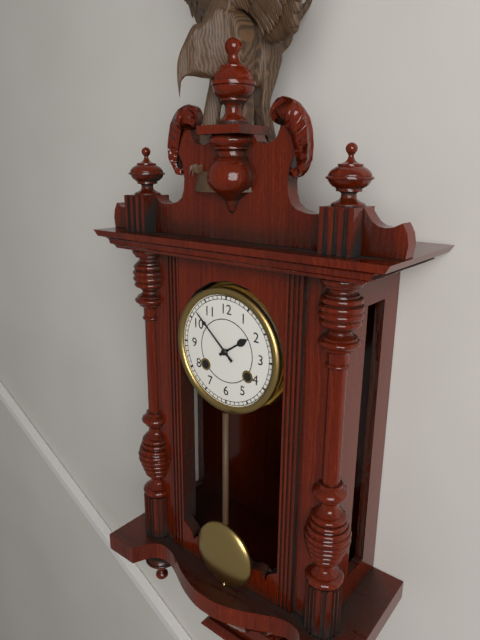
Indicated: 1,52
